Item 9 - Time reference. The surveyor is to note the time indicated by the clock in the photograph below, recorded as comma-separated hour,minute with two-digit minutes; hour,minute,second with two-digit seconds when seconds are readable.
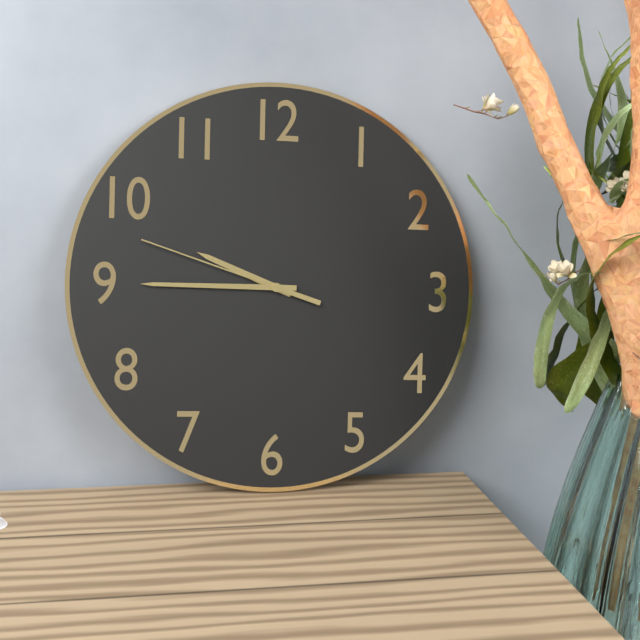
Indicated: 9,45,48
